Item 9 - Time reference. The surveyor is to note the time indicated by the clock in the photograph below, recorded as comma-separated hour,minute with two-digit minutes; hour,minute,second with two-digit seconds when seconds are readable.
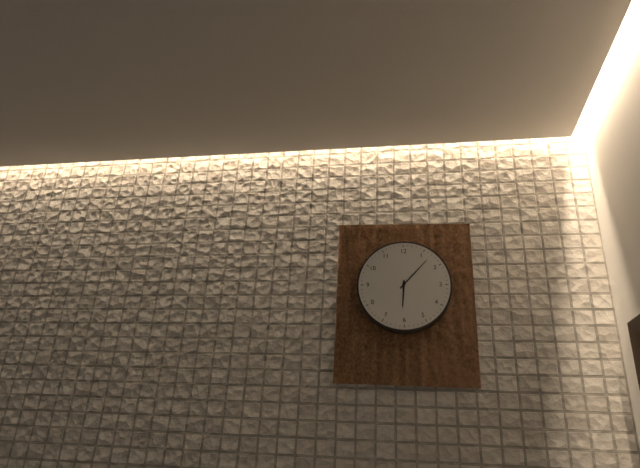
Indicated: 6,07
